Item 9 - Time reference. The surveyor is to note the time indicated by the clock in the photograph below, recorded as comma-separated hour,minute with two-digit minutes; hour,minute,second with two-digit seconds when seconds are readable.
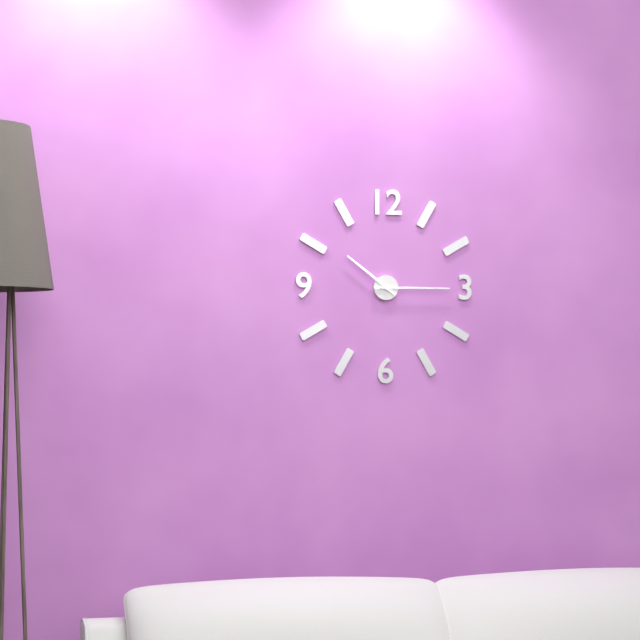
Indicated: 10,15
